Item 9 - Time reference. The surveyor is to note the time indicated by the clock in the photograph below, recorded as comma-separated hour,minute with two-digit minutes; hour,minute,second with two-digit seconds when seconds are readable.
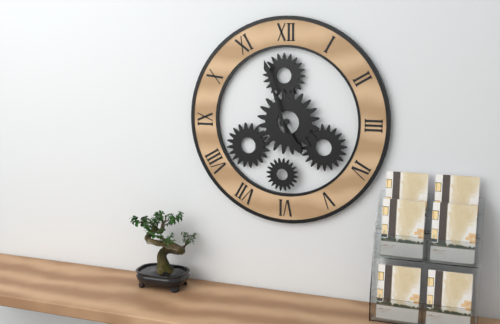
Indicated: 4,57
